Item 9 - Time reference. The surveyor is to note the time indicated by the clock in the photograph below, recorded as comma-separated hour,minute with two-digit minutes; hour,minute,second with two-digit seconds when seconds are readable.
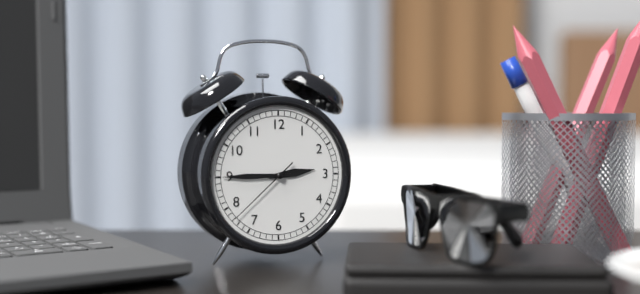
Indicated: 2,45,38
